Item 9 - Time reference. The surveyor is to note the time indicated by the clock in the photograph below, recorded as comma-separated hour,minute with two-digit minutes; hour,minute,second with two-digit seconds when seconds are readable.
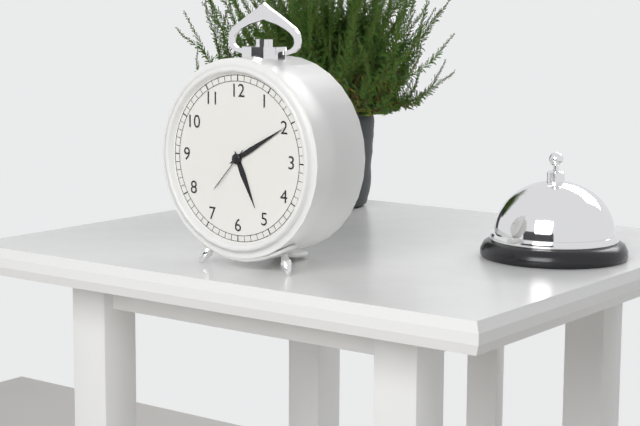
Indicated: 5,10
